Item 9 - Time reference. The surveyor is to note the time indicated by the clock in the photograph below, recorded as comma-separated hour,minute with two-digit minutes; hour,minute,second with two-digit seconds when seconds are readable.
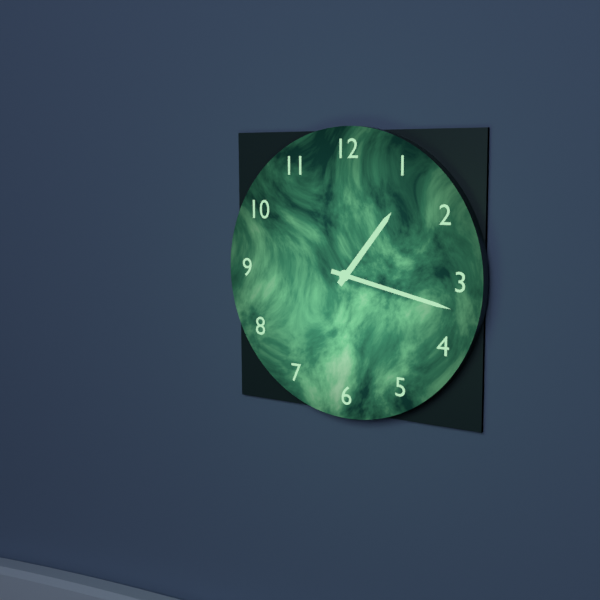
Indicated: 1,17
